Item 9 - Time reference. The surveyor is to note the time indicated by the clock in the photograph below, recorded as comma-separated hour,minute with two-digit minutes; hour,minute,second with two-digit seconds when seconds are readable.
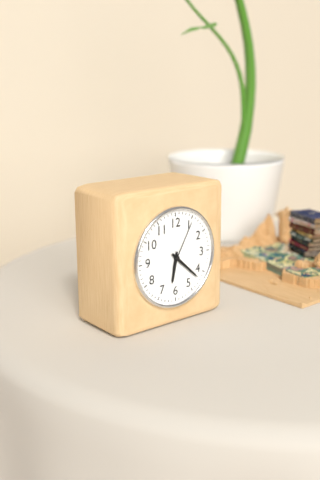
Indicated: 6,22,05
